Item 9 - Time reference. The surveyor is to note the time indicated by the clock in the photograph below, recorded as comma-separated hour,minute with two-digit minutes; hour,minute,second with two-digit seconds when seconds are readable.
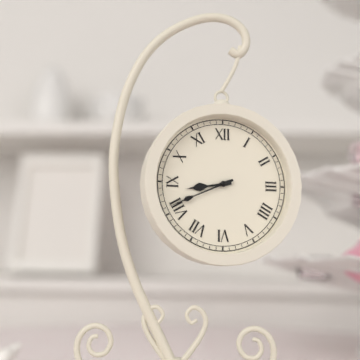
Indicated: 8,41
